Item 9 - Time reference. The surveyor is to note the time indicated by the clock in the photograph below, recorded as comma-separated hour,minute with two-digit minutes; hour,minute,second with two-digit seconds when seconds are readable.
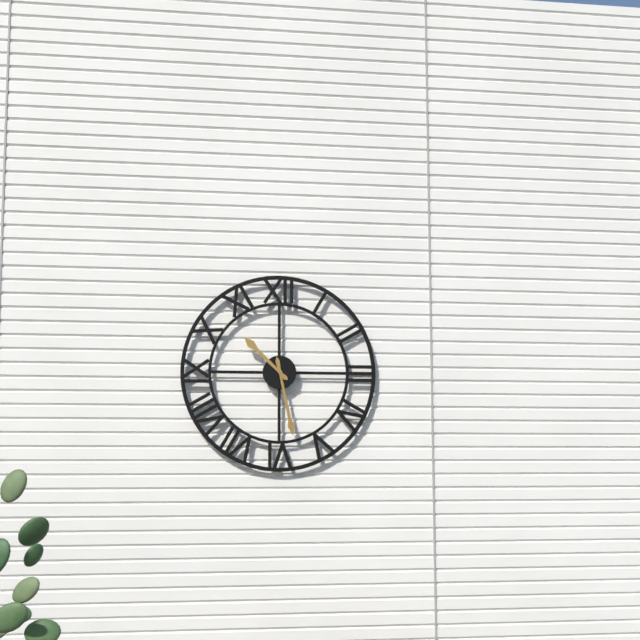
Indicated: 10,28
